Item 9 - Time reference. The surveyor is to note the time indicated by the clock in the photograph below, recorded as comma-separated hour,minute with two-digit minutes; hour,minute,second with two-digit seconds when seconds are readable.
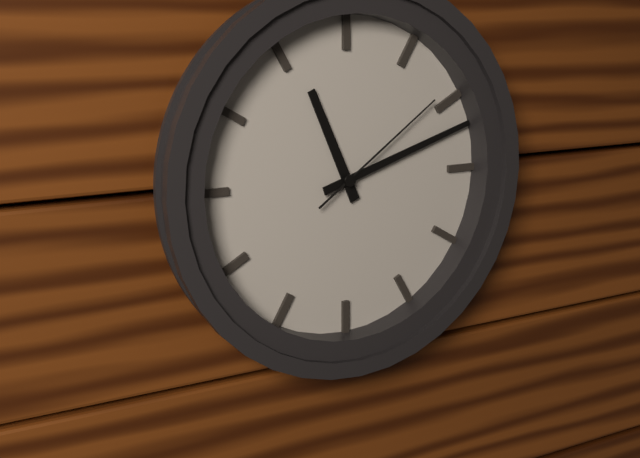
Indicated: 11,12,09
